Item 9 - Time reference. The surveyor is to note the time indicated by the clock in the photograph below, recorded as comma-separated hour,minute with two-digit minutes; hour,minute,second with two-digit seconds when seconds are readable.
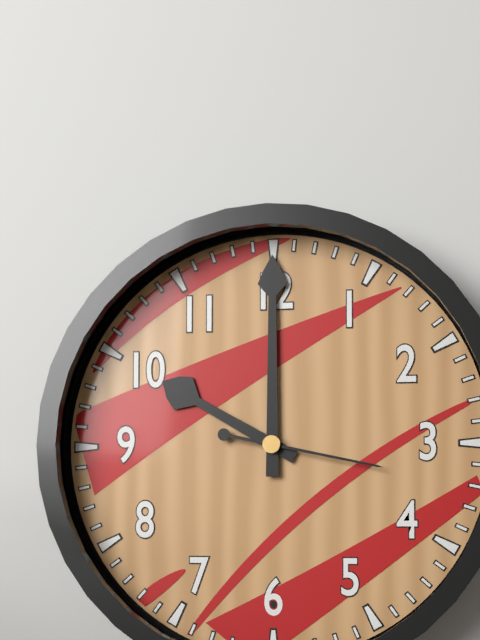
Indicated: 10,00,17
